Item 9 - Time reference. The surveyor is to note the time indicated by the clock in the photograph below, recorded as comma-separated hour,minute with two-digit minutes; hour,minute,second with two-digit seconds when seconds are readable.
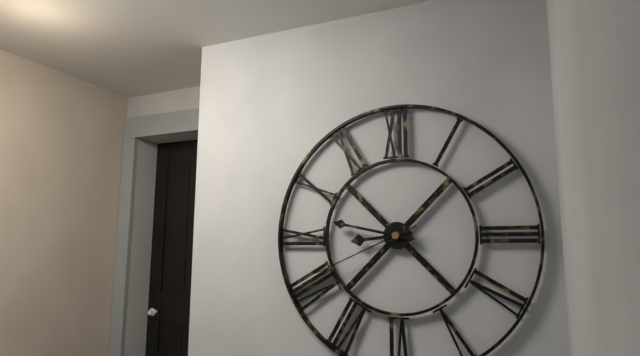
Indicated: 8,47,41
